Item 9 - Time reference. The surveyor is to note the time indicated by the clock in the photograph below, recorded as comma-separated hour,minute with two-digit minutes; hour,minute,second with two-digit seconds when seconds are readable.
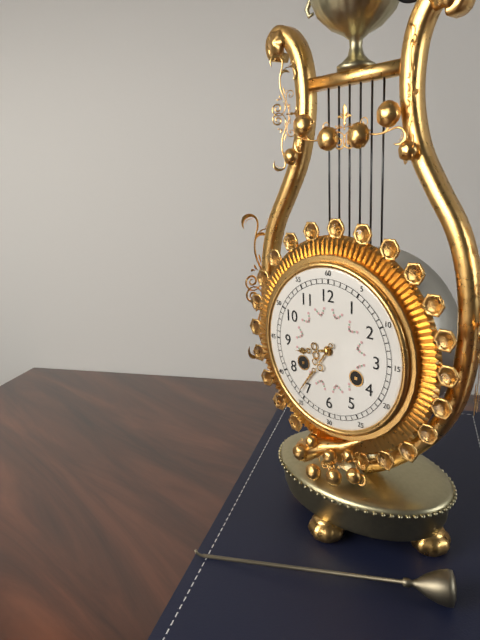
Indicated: 8,36
